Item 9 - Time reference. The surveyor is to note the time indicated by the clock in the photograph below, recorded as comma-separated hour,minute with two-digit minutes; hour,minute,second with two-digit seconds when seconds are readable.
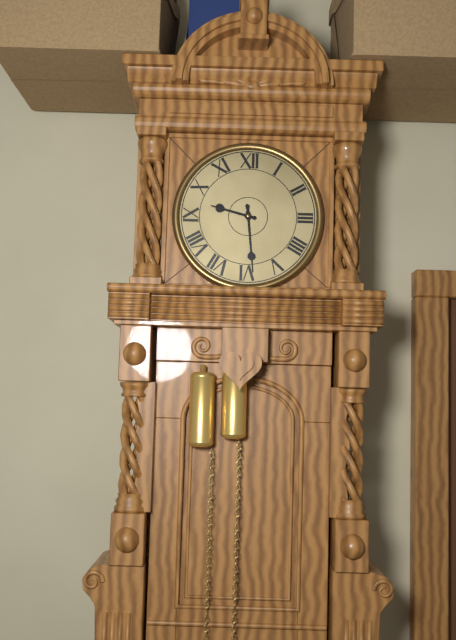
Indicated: 9,29
